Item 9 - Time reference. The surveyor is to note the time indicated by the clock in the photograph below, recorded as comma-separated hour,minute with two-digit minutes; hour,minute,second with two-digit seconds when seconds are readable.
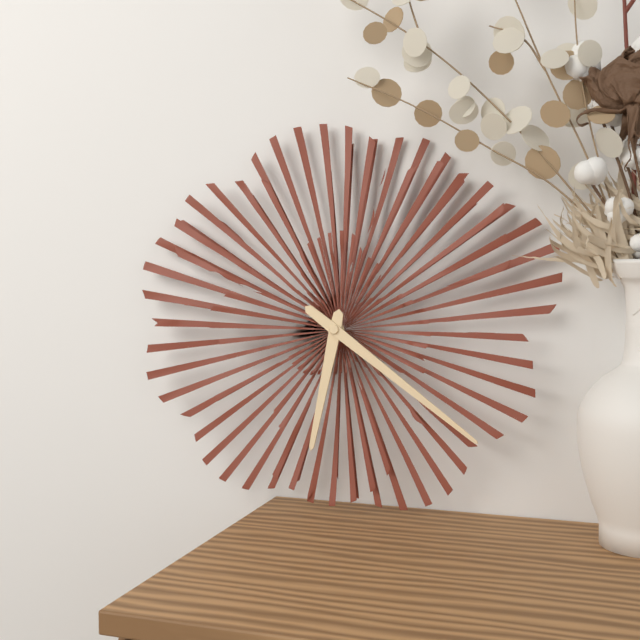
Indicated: 6,21
